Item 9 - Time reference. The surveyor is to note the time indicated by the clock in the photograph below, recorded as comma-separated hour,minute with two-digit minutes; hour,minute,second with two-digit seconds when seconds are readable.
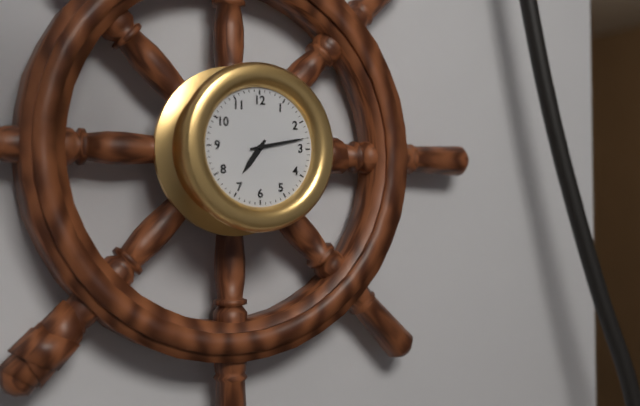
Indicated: 7,13
